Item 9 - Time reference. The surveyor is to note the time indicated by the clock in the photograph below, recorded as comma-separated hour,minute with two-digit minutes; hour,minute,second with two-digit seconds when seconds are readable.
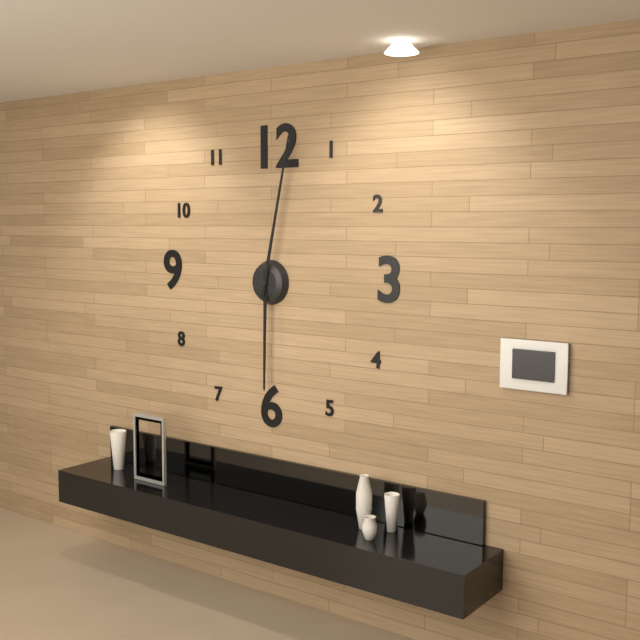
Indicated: 6,02
